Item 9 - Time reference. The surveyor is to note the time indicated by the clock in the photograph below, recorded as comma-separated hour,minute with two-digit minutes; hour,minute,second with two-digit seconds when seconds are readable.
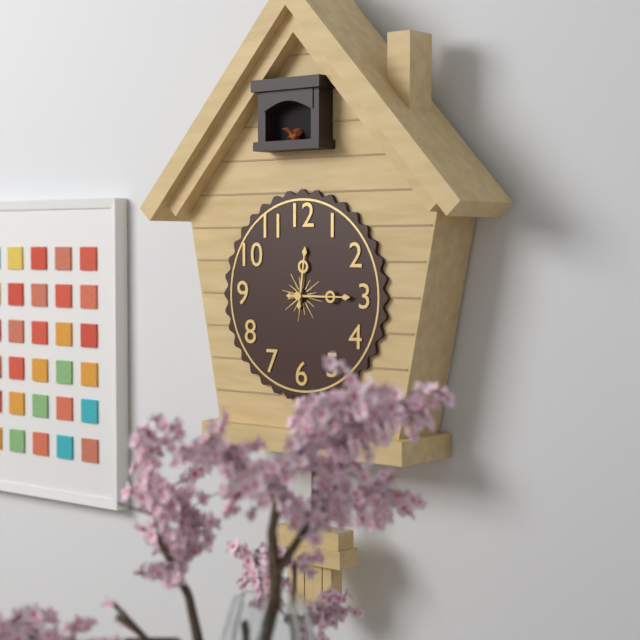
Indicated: 12,15
